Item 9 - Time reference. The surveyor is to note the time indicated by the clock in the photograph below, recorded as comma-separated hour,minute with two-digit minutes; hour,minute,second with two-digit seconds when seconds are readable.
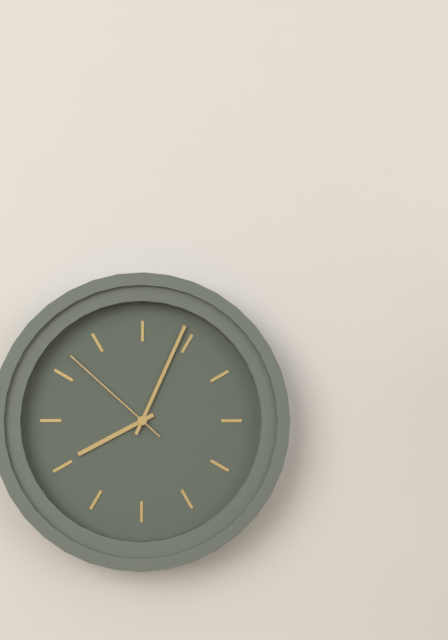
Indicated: 8,04,52
